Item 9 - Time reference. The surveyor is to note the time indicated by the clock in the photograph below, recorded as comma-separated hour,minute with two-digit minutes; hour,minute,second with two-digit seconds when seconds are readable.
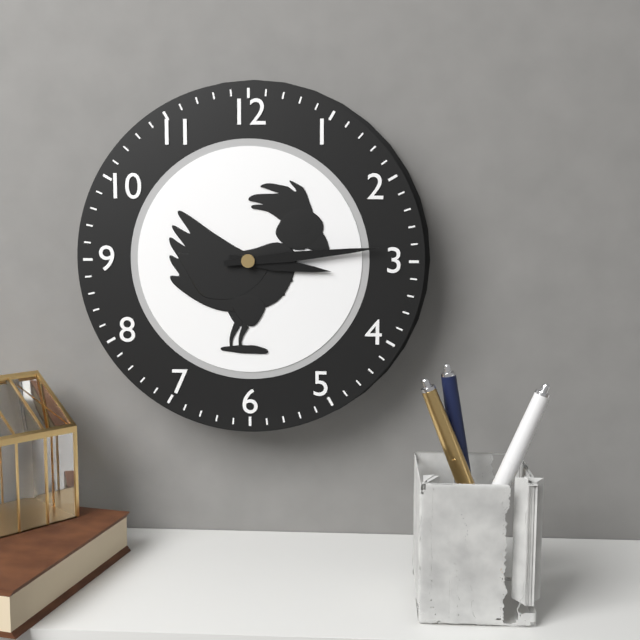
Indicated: 3,14
